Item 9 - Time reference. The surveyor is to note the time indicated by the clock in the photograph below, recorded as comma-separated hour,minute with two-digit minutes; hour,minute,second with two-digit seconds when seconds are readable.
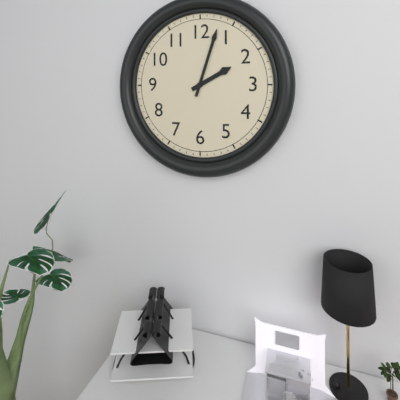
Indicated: 2,03
